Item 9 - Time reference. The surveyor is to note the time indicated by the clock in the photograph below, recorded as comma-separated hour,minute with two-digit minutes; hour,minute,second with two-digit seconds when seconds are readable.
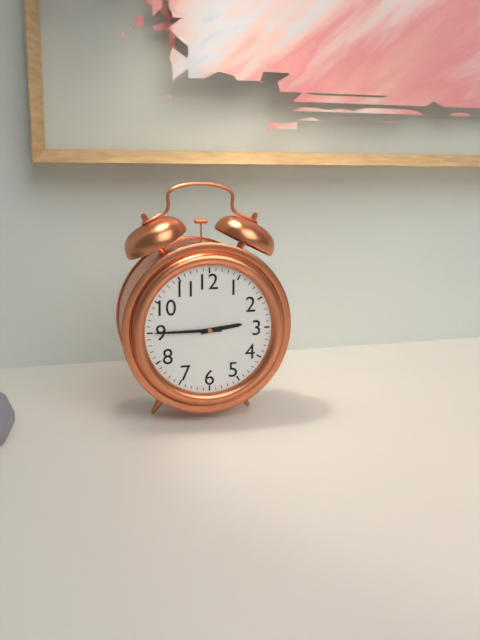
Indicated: 2,45
